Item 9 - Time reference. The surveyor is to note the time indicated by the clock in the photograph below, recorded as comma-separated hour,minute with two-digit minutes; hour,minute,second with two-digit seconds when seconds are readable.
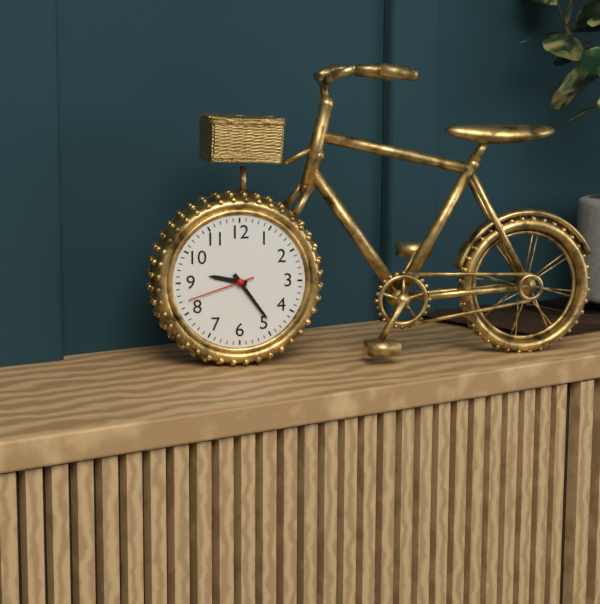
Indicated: 9,24,42
